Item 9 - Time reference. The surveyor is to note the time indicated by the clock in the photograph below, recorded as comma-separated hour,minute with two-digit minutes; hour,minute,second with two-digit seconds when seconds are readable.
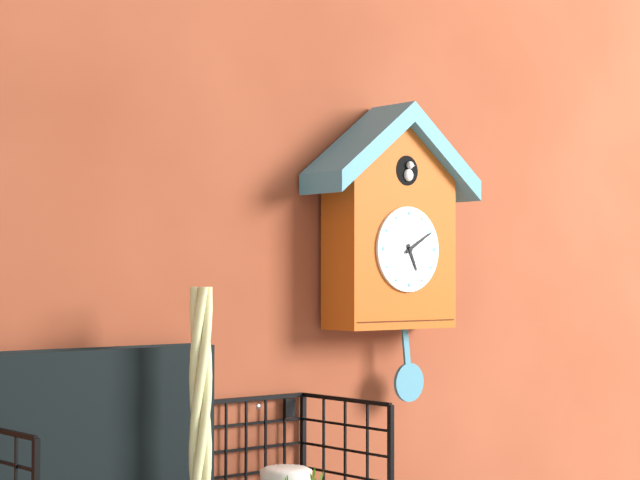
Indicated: 5,10
